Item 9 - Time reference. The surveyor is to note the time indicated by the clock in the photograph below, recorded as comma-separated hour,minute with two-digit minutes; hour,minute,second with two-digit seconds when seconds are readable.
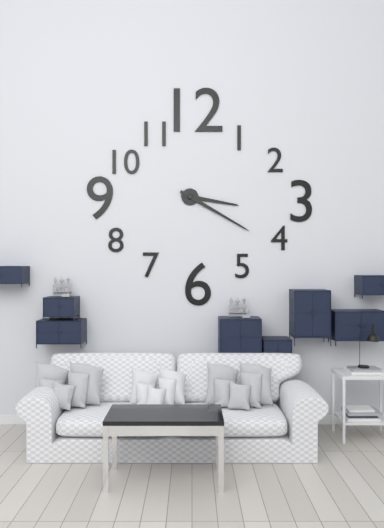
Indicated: 3,20
